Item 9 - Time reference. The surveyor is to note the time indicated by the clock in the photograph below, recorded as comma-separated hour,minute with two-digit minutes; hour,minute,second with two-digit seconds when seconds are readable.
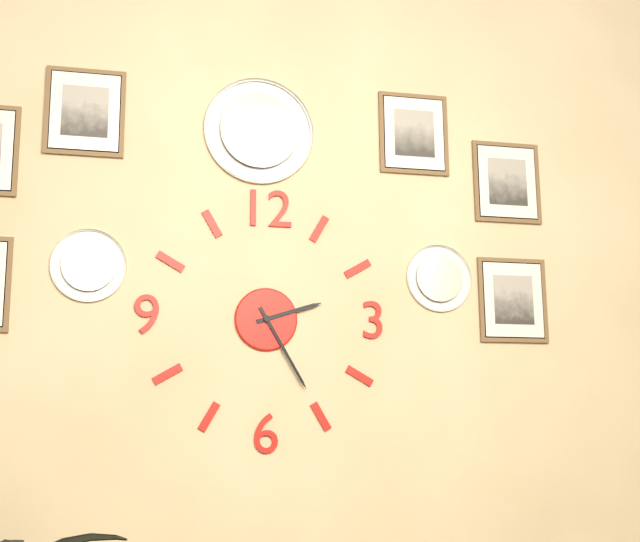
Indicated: 2,25
